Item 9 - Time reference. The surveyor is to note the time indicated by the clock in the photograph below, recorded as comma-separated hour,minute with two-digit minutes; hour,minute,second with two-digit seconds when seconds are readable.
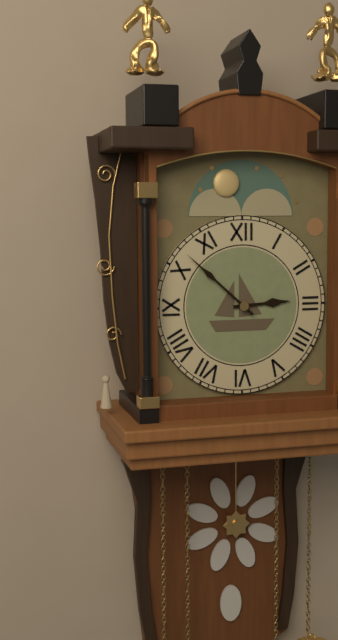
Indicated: 2,52
